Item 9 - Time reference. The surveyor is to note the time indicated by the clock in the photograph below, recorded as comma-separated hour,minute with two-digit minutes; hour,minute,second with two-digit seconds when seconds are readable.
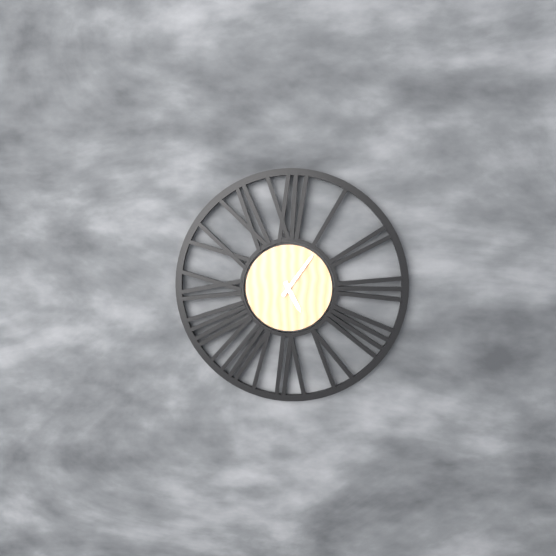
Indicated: 5,06
